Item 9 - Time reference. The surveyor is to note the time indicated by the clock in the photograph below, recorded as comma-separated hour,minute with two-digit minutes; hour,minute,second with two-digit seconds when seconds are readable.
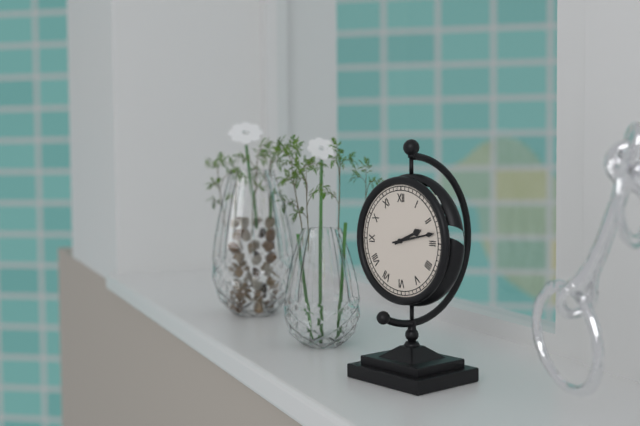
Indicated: 2,13
